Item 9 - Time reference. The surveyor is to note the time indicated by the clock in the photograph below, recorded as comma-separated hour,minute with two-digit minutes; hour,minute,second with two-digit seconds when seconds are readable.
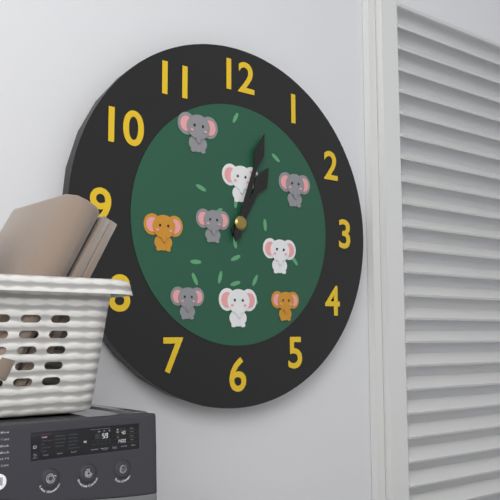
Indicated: 1,03
